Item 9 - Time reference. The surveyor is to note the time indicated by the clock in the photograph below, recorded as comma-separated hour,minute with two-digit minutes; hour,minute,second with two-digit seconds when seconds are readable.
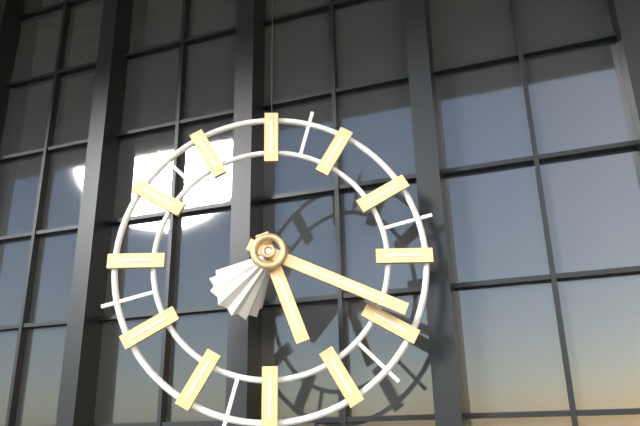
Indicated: 5,19
